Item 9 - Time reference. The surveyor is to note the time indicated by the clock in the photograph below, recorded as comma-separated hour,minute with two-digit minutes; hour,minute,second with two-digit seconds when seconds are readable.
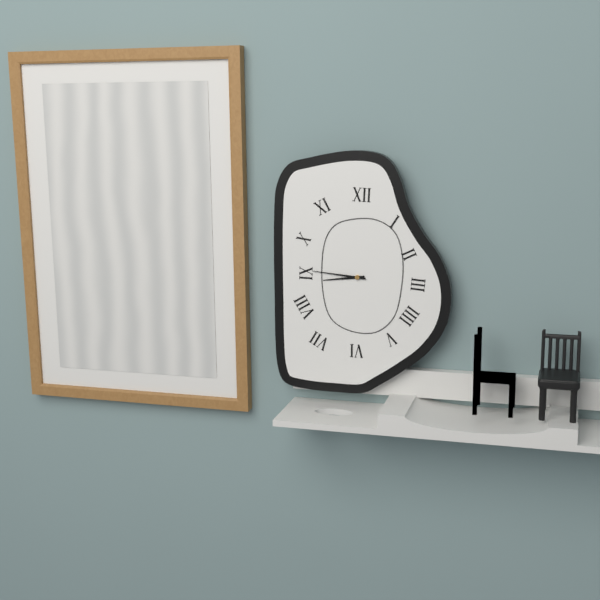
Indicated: 8,46
